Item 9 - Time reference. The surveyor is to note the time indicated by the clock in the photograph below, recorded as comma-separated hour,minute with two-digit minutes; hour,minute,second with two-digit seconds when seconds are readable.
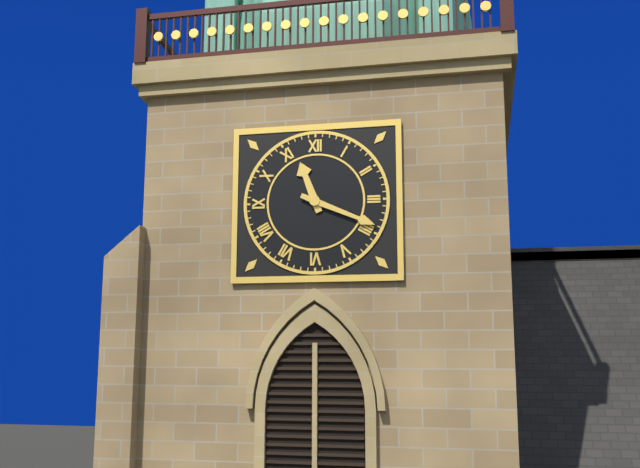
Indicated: 11,19
